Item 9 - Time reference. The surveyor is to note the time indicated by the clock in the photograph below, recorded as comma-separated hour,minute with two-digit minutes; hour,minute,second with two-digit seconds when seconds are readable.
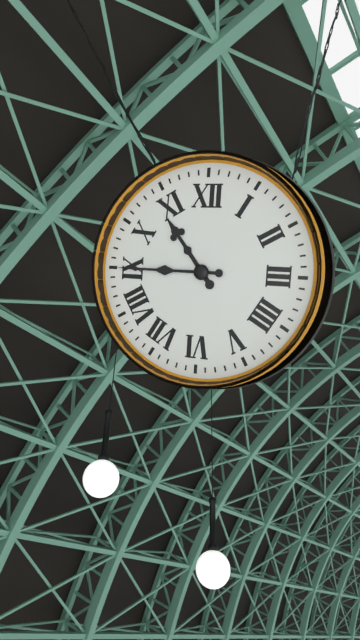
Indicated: 10,45
